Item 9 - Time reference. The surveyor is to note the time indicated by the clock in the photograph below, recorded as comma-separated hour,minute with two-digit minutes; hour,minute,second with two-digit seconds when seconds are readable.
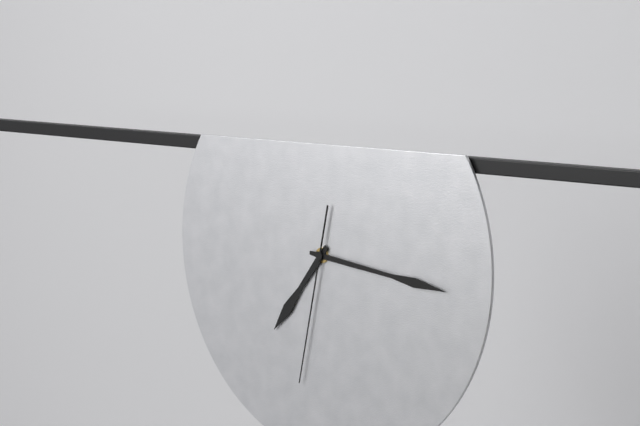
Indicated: 7,16,32
